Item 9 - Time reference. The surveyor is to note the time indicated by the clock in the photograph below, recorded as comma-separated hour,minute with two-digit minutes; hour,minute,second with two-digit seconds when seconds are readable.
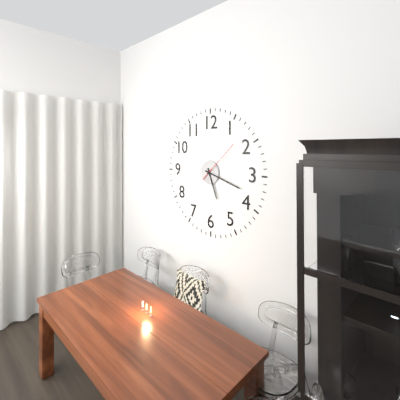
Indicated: 5,18
